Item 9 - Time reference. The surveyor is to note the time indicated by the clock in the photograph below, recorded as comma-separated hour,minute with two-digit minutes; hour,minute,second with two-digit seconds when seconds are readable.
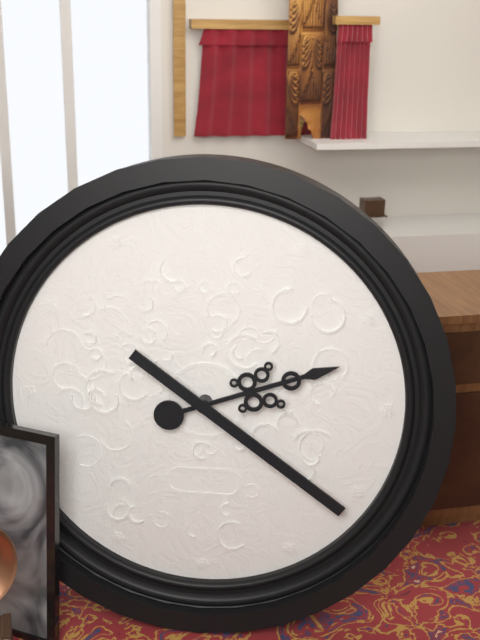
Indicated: 2,21
